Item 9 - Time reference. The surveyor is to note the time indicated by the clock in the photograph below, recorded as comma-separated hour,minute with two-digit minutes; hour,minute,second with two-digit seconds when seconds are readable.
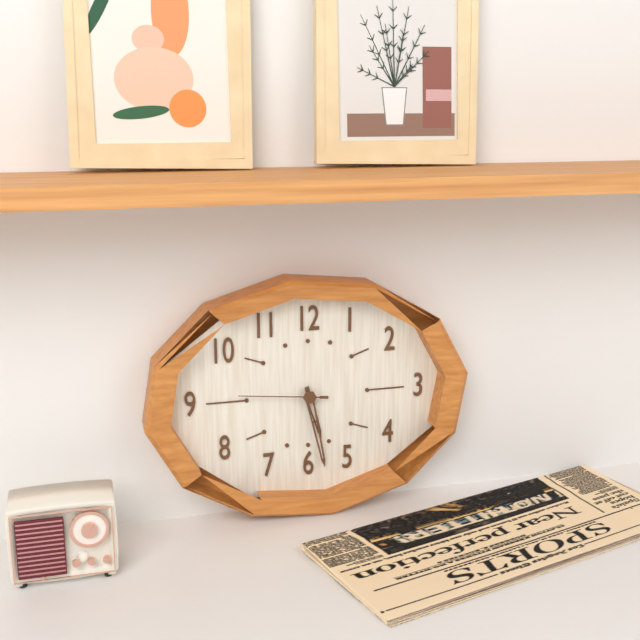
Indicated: 5,28,46
